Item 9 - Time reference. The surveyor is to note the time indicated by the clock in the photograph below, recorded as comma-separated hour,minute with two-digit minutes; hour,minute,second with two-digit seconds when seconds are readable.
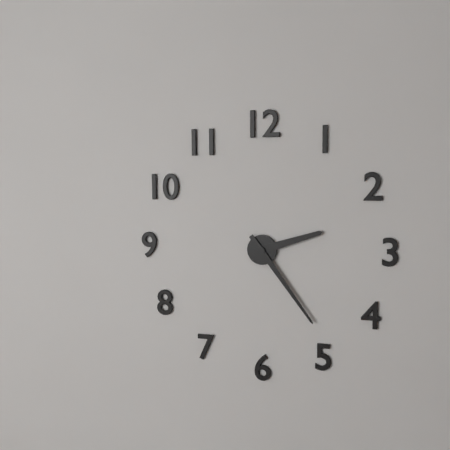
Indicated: 2,24
